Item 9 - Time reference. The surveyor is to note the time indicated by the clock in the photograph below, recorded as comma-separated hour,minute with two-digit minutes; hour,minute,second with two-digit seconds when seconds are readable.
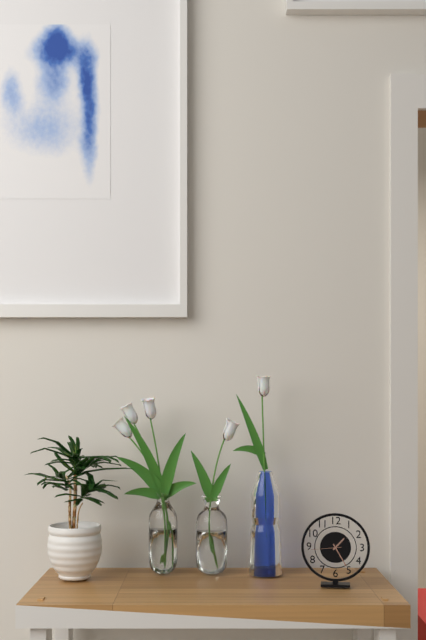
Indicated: 1,25
